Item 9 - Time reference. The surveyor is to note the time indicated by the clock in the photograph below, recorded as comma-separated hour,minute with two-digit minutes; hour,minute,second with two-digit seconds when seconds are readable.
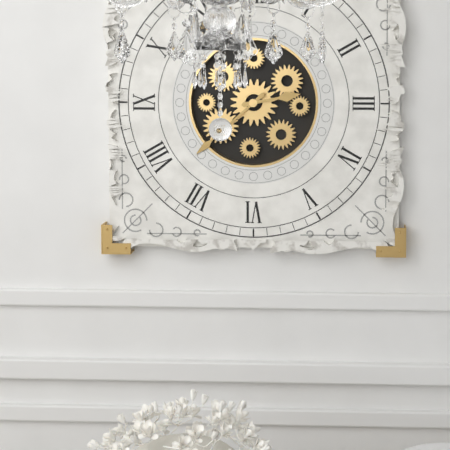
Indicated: 2,38
